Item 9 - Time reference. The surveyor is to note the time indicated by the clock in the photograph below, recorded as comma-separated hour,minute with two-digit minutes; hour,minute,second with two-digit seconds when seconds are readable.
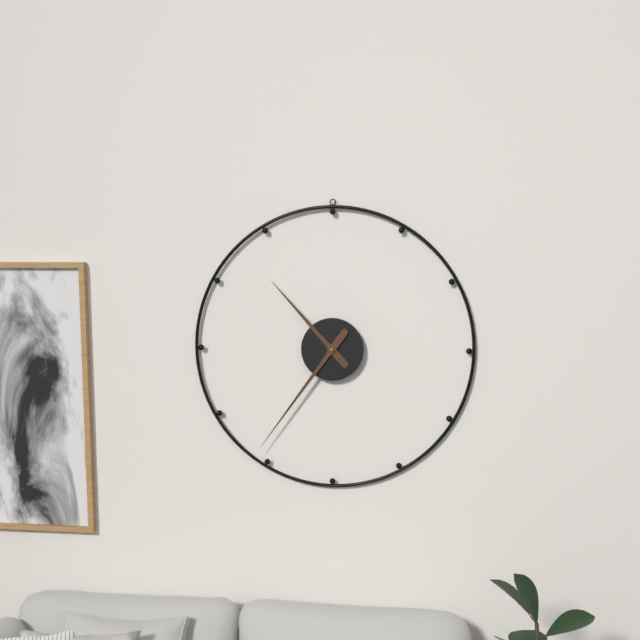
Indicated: 10,36
